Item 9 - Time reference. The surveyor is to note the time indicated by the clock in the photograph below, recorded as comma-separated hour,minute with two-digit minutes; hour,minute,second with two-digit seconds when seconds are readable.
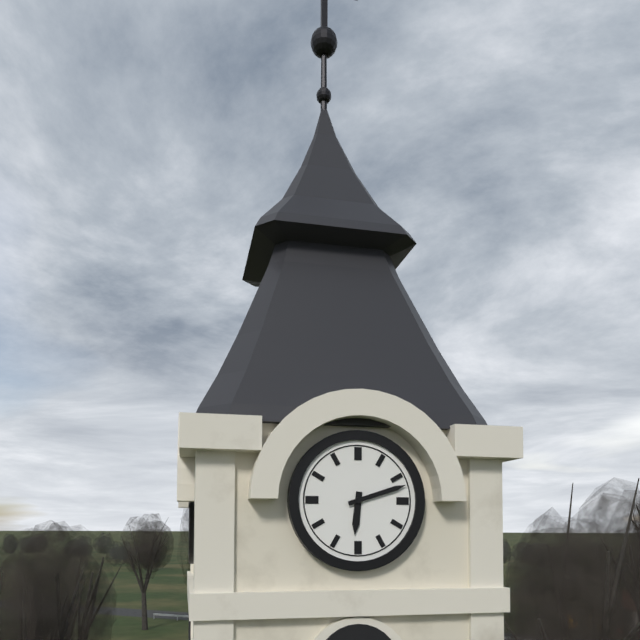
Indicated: 6,12
